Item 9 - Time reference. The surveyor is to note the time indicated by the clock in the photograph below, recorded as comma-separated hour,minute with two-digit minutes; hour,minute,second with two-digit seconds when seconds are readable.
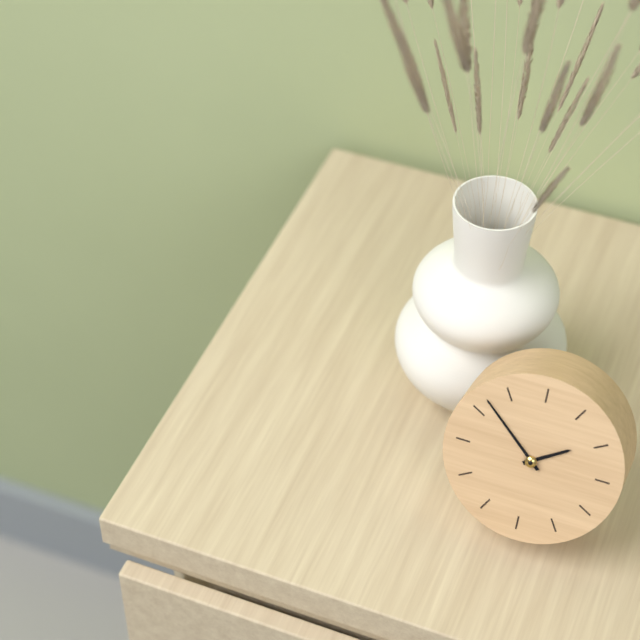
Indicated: 1,52
